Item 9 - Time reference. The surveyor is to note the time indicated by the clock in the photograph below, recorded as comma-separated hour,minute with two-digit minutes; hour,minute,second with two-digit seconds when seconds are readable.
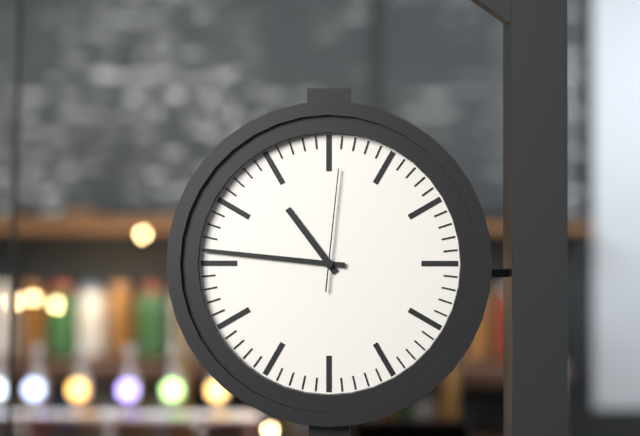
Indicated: 10,46,01
